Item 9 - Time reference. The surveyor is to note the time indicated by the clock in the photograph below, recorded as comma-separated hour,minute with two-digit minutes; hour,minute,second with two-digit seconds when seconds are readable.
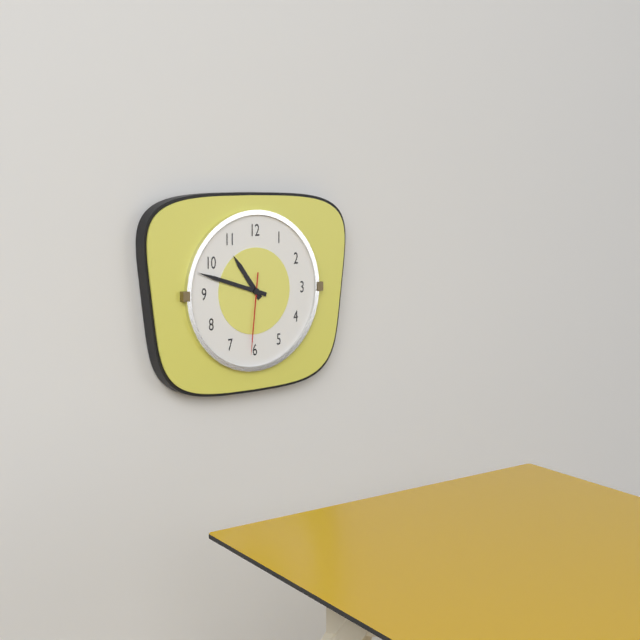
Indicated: 10,48,31
